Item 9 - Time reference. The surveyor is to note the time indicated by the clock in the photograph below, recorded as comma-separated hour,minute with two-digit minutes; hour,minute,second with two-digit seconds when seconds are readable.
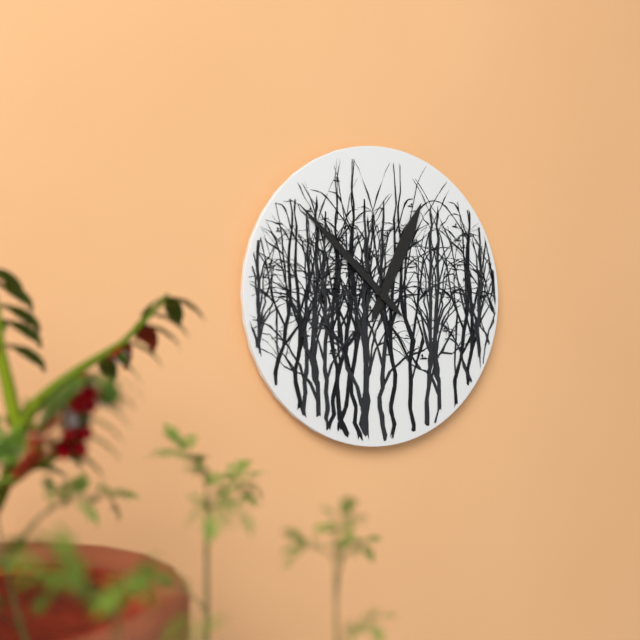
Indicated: 12,52
